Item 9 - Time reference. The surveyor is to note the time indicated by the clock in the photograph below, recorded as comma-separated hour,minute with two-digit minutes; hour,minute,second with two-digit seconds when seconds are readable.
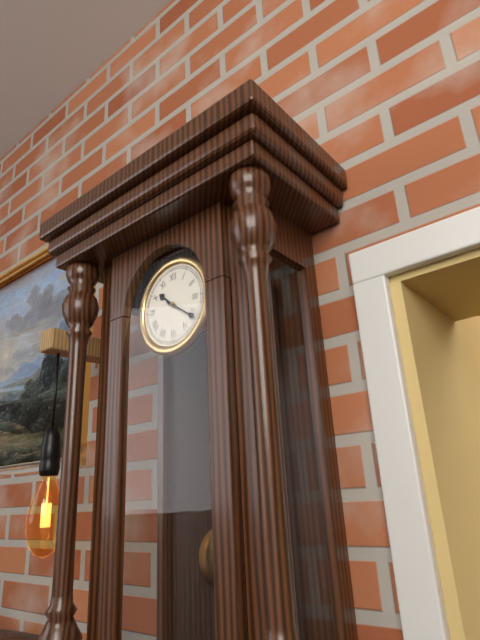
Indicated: 10,21
